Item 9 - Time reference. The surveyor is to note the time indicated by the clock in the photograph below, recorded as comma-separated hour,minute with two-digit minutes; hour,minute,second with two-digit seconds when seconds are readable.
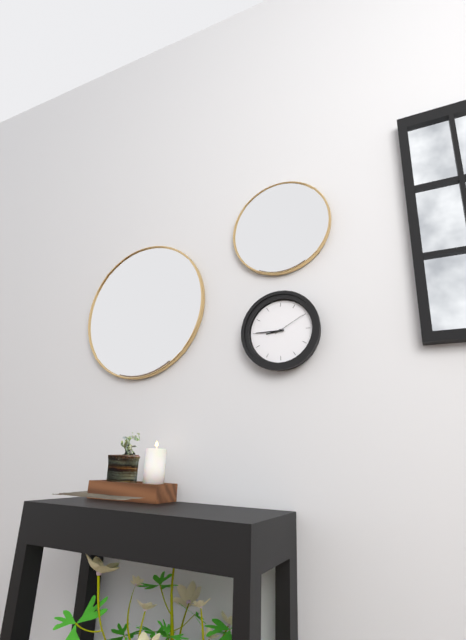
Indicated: 8,45
